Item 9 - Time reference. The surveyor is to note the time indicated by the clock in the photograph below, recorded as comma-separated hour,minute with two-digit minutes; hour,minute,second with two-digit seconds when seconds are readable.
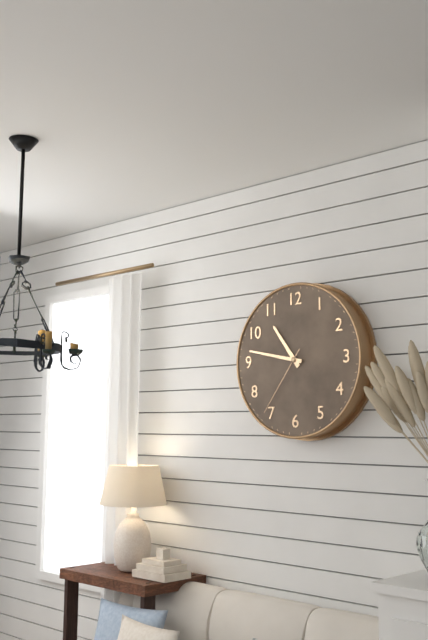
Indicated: 10,47,36
